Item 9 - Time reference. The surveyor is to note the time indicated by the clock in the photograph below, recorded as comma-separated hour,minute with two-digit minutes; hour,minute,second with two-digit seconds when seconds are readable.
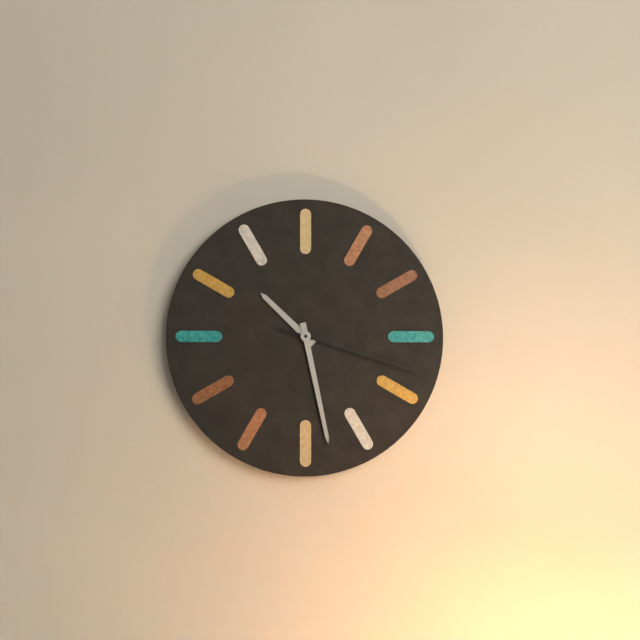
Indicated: 10,28,18
